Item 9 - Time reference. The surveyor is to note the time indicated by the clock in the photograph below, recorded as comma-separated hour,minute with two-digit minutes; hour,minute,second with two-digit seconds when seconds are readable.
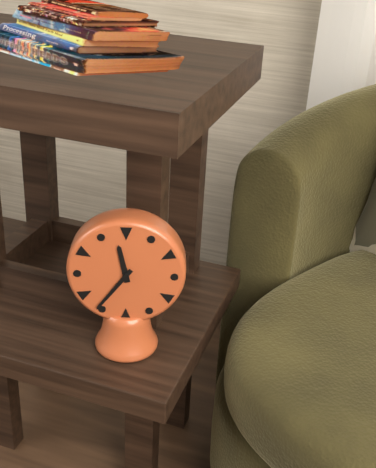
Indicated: 11,36
